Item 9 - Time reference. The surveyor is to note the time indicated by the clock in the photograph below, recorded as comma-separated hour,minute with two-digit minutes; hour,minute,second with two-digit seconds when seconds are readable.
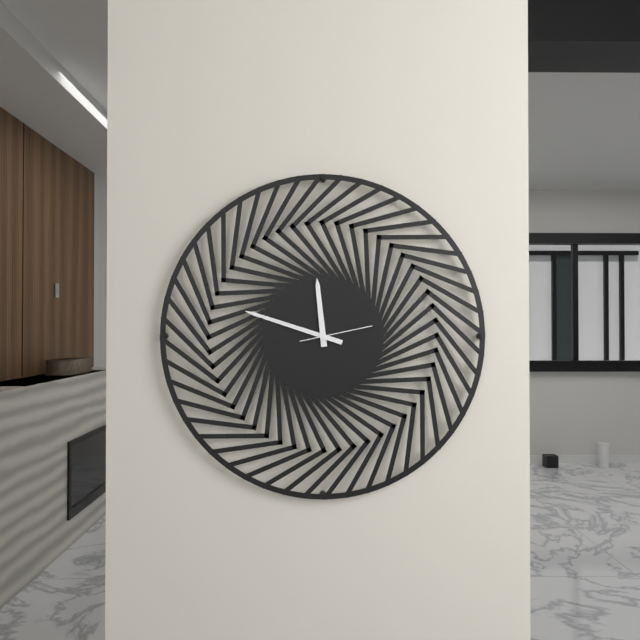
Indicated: 11,48,13
